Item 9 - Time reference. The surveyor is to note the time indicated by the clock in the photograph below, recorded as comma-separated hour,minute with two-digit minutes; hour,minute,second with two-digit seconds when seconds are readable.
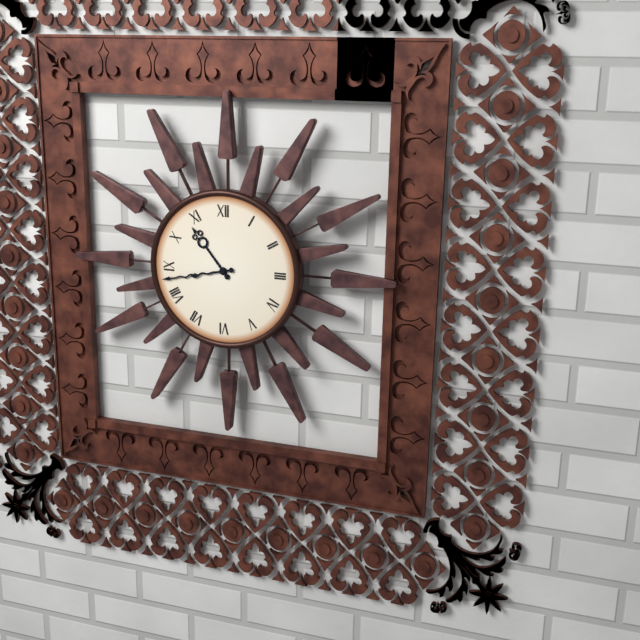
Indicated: 10,43
